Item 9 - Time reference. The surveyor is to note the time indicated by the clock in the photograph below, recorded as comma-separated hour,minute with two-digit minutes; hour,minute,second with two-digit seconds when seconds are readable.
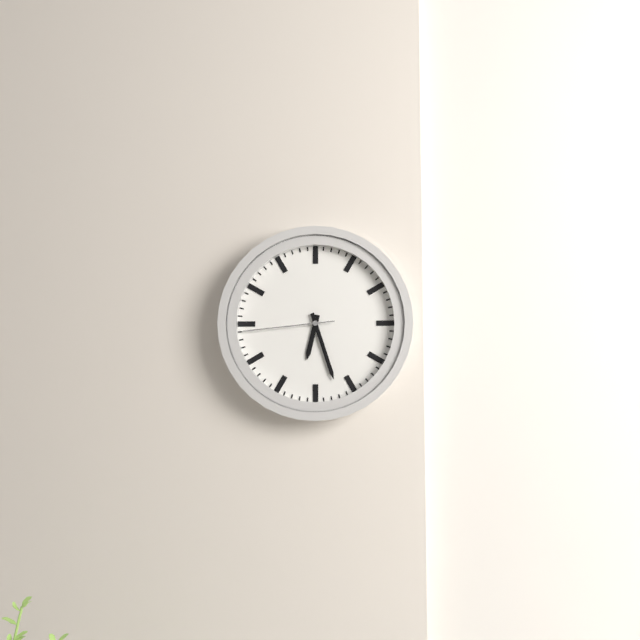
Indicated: 6,27,44
